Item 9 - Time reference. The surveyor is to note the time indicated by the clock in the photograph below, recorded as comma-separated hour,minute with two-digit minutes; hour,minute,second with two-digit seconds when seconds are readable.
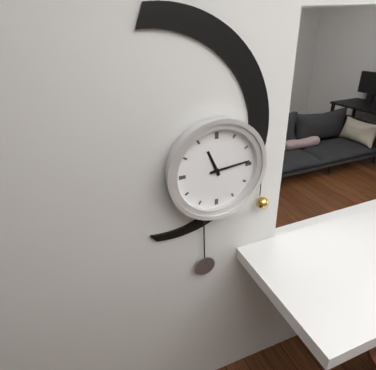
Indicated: 11,14
